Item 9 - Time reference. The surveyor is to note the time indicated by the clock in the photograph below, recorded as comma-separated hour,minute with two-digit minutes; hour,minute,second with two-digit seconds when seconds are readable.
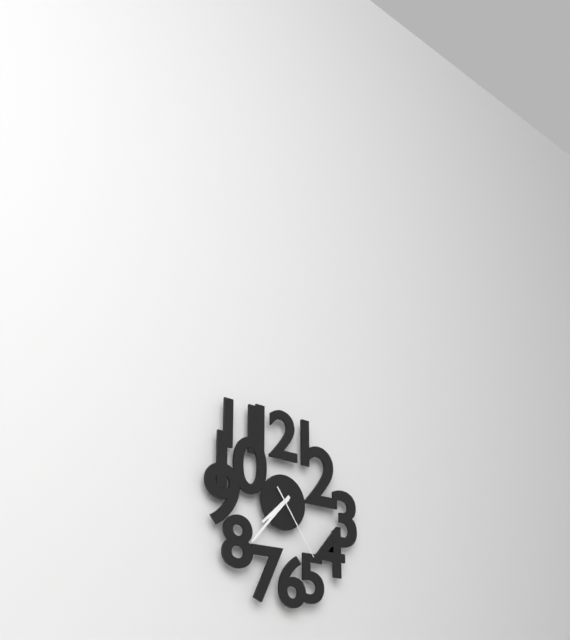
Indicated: 7,37,24
